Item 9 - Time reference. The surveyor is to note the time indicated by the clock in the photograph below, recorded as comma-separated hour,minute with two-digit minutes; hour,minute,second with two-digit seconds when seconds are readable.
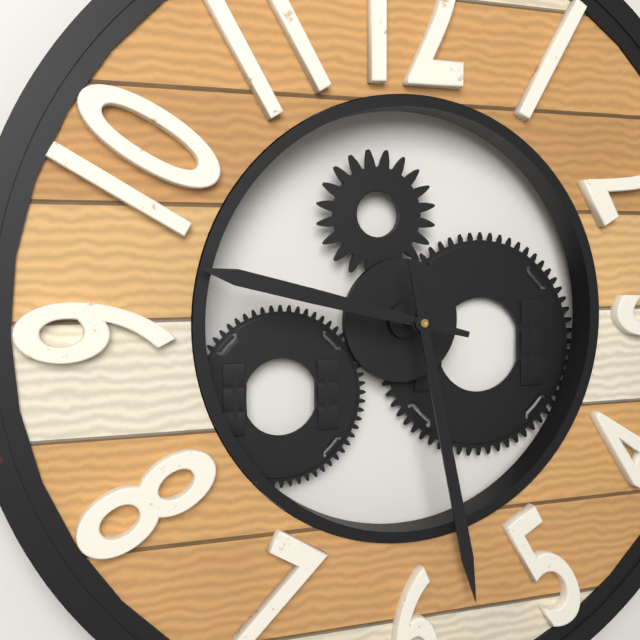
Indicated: 9,28
